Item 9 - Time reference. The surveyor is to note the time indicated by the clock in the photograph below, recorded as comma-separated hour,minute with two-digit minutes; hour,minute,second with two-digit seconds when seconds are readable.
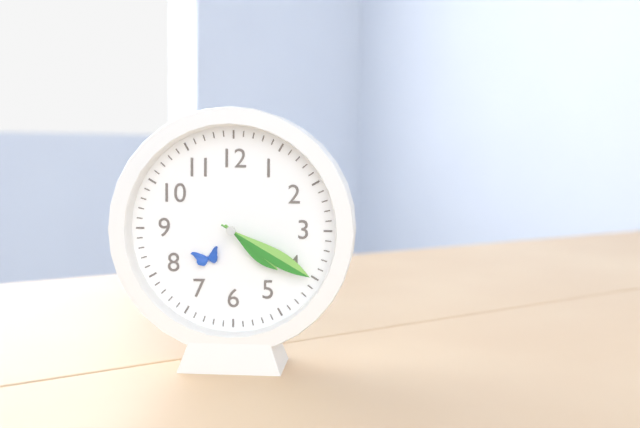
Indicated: 4,20
